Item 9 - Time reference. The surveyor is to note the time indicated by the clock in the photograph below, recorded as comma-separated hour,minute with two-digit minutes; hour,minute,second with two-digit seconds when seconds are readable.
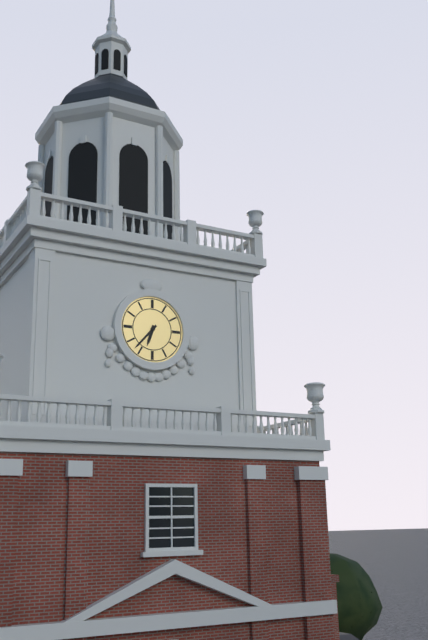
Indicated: 6,37
